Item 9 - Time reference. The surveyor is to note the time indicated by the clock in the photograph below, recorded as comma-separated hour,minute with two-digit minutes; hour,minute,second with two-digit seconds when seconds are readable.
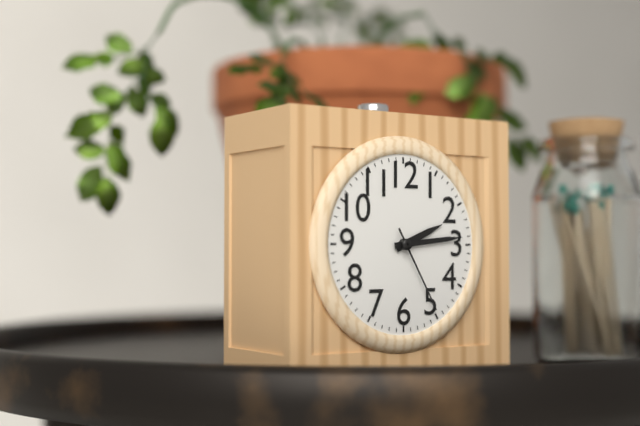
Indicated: 2,14,25
